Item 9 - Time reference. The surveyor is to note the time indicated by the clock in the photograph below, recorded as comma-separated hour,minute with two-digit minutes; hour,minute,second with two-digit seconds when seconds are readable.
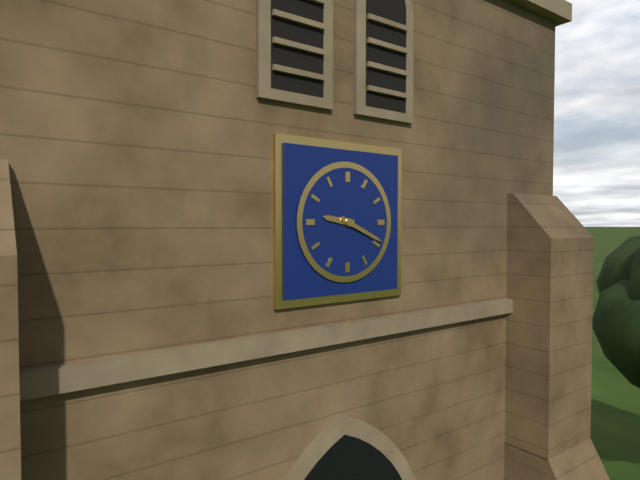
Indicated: 9,19
